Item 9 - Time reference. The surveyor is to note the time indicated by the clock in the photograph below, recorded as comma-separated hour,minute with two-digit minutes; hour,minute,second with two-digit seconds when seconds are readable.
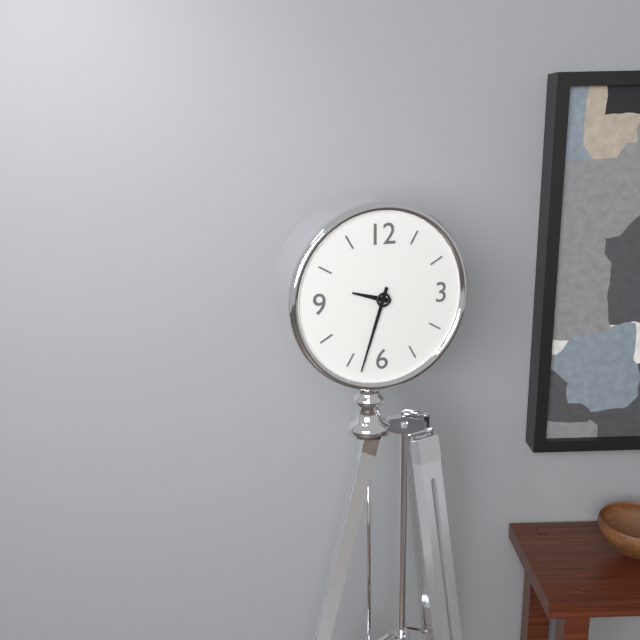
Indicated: 9,33
